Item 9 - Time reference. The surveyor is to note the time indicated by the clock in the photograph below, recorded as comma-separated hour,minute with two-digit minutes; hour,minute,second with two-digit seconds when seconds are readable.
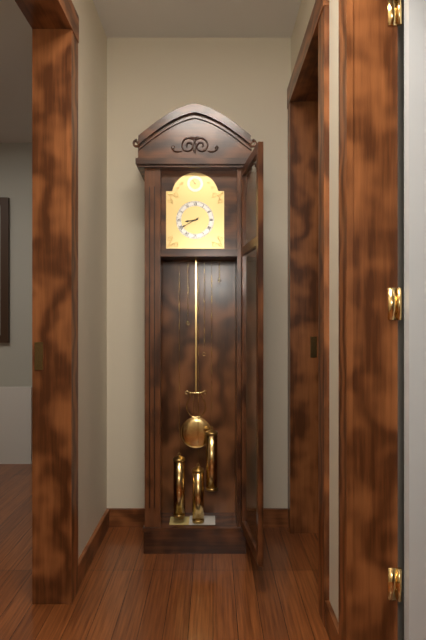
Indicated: 8,40
